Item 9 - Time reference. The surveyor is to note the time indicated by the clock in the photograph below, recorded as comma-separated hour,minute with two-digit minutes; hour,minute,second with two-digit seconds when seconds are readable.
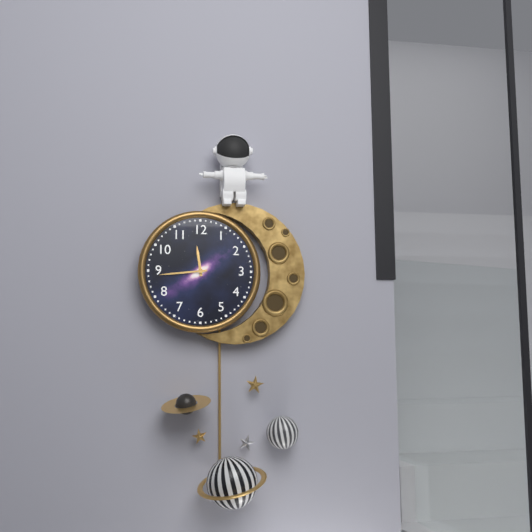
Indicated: 11,44
